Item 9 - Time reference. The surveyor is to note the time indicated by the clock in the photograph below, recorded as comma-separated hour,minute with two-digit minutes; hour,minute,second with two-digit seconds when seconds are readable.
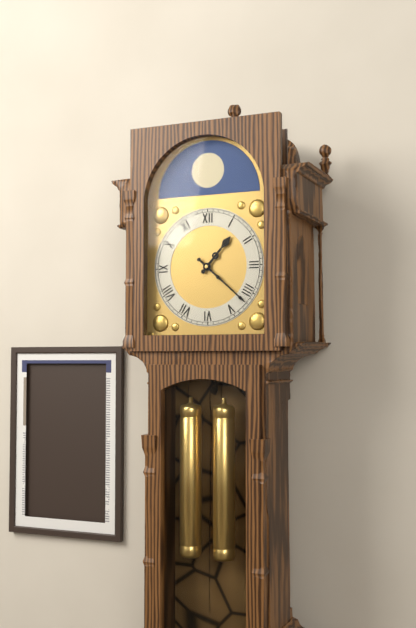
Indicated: 1,22
